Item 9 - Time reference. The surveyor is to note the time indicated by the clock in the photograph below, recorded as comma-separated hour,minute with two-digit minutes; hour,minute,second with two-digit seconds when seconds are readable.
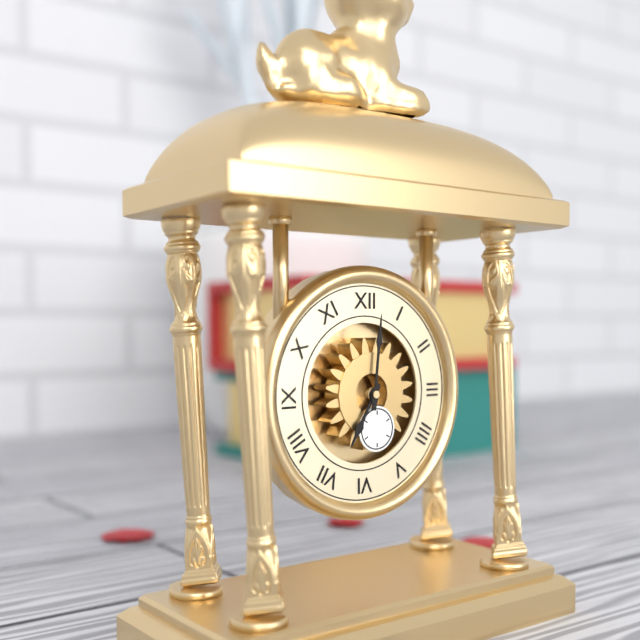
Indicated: 7,01
